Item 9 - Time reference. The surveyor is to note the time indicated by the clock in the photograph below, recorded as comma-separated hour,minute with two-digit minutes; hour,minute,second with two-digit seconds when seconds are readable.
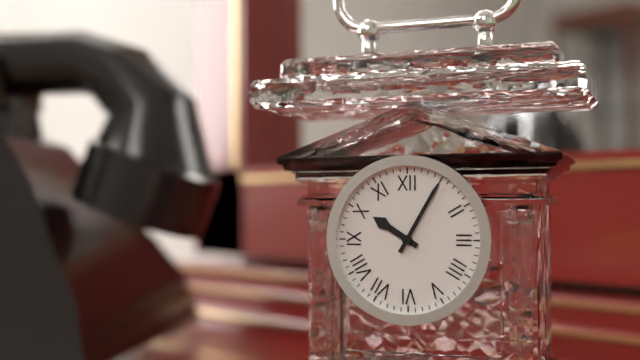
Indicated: 10,05
